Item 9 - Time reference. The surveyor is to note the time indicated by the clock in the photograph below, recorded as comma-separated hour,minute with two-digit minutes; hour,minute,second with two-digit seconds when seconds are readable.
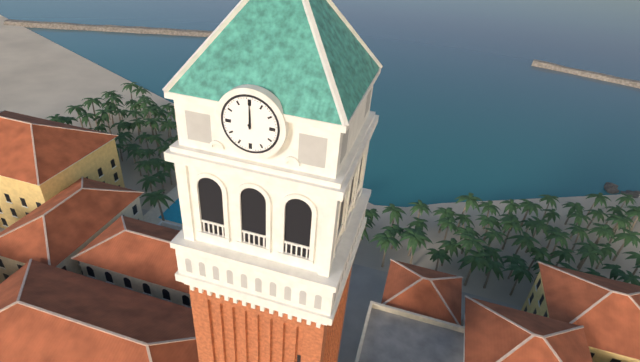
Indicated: 12,00
